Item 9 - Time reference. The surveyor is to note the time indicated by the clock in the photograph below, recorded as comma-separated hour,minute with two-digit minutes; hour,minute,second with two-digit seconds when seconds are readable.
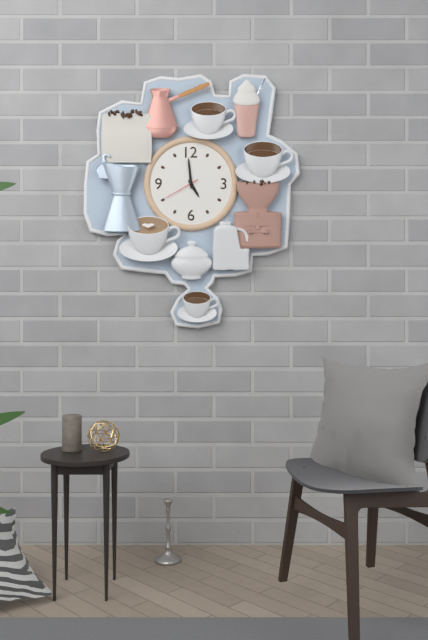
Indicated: 4,59
